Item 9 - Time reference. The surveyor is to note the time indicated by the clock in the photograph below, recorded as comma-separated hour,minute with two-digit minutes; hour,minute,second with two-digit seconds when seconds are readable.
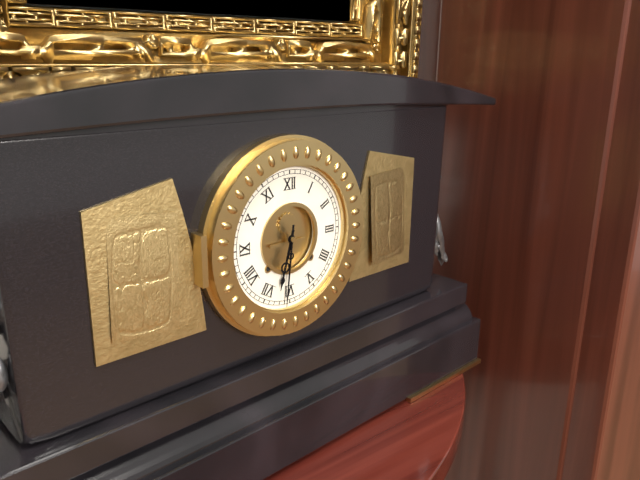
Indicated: 6,31
